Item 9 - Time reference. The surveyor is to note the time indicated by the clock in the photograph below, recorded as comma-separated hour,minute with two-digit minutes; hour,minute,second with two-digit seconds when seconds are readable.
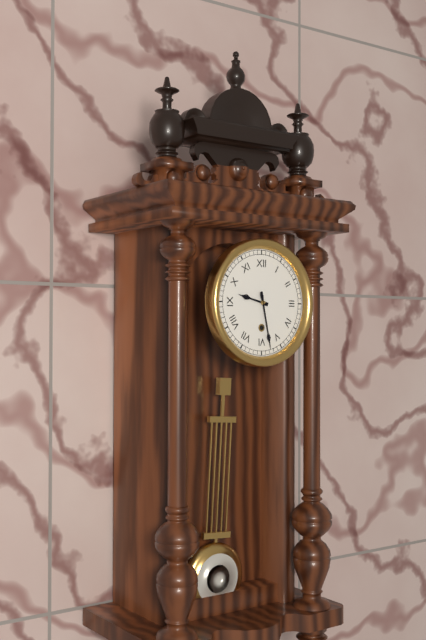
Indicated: 9,28
